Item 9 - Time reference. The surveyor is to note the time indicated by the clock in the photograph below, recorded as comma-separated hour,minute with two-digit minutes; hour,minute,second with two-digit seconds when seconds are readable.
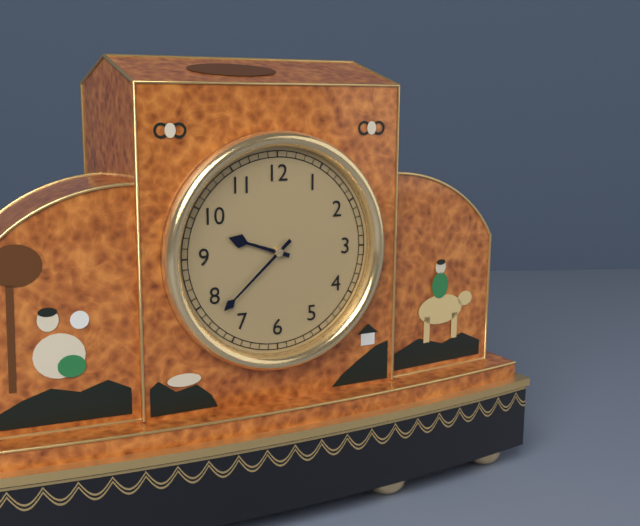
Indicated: 9,38
